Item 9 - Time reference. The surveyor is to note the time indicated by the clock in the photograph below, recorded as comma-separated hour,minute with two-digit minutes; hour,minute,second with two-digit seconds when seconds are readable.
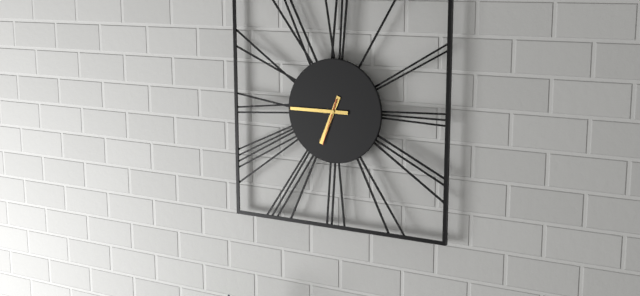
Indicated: 6,45
